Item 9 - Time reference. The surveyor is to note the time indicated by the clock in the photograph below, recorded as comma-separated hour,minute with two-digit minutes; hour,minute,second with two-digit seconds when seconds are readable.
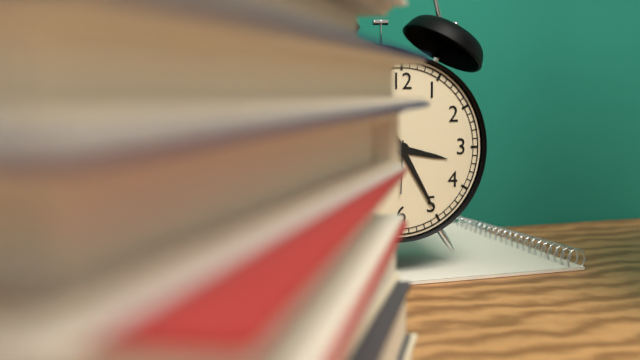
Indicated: 3,25
